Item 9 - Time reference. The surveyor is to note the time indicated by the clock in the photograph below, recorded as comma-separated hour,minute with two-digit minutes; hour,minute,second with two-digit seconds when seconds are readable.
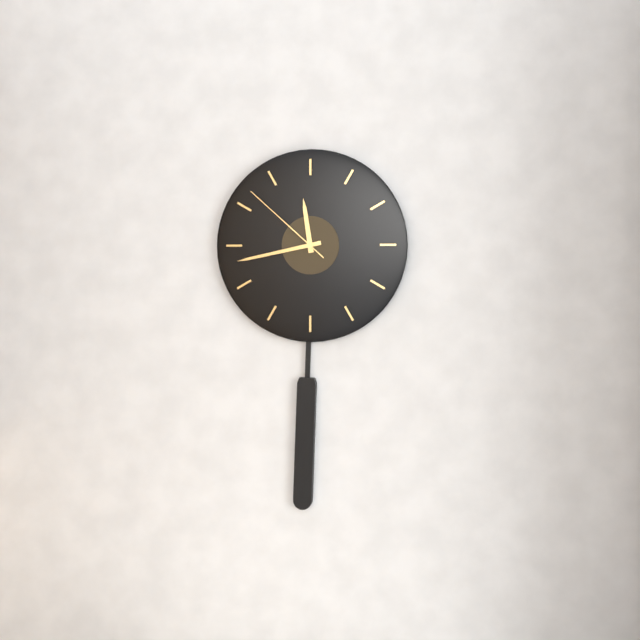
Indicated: 11,43,52
